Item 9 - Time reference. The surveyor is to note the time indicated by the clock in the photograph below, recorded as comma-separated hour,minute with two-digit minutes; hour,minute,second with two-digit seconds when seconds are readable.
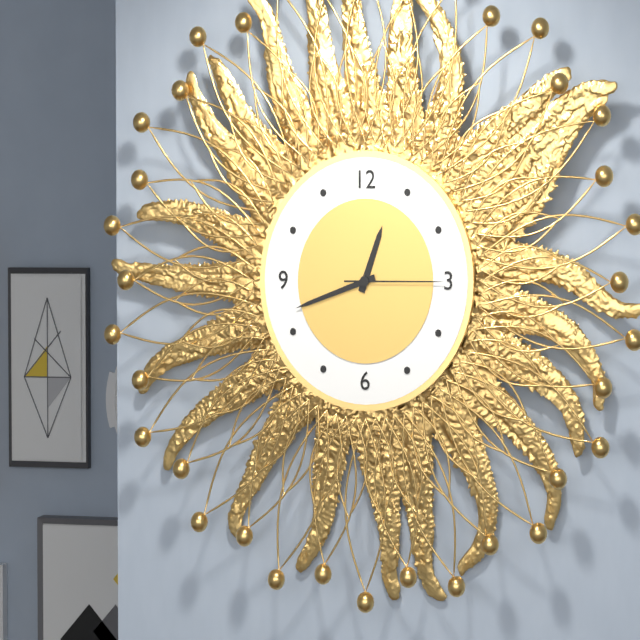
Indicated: 12,42,15
